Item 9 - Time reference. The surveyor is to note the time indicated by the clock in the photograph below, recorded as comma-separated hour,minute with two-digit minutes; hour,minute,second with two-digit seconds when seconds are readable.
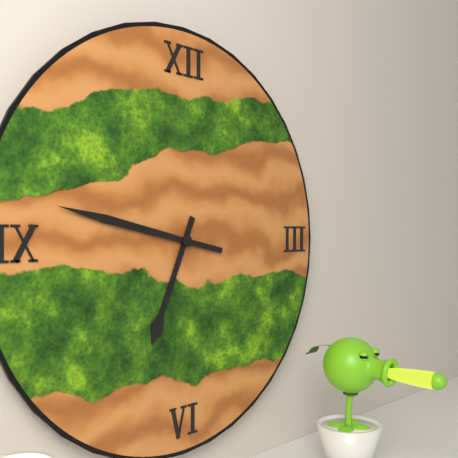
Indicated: 6,47
